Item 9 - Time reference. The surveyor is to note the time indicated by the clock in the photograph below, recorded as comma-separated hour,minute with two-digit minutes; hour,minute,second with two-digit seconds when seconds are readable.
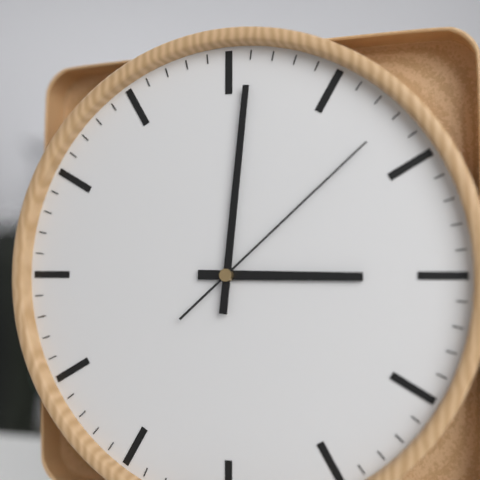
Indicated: 3,01,08
